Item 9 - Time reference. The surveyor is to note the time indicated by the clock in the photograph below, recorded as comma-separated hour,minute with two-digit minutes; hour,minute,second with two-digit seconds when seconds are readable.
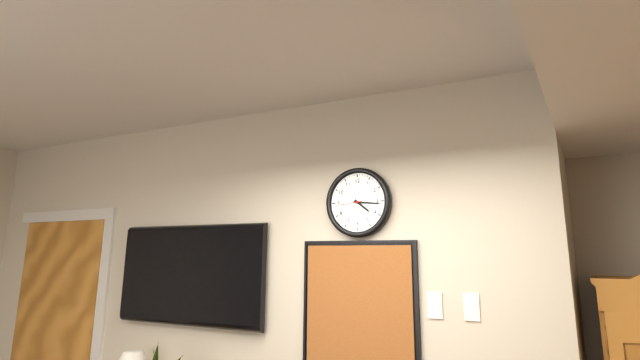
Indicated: 4,16
